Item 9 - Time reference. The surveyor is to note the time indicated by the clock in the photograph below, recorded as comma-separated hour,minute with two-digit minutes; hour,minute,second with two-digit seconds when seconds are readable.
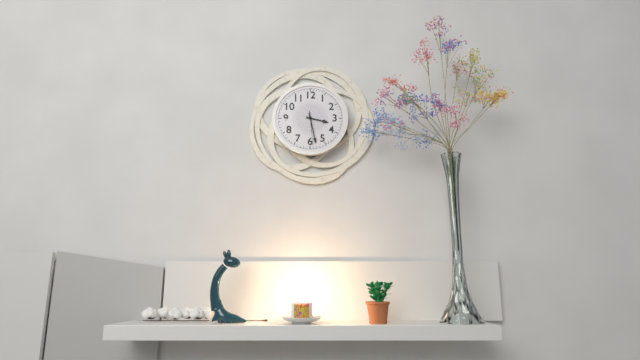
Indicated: 3,28
